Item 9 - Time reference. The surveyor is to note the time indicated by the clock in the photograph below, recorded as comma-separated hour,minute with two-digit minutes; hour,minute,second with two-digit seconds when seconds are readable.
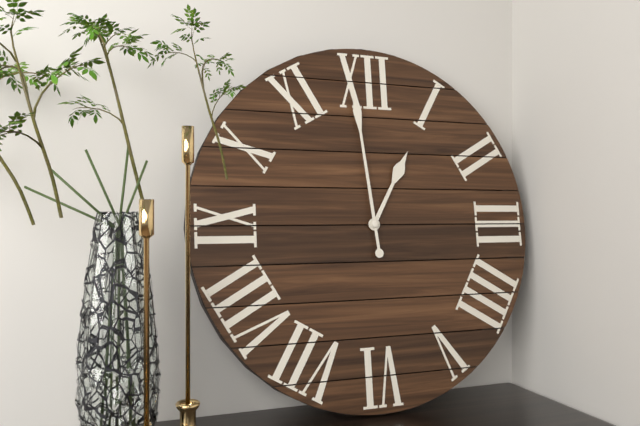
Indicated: 12,59
